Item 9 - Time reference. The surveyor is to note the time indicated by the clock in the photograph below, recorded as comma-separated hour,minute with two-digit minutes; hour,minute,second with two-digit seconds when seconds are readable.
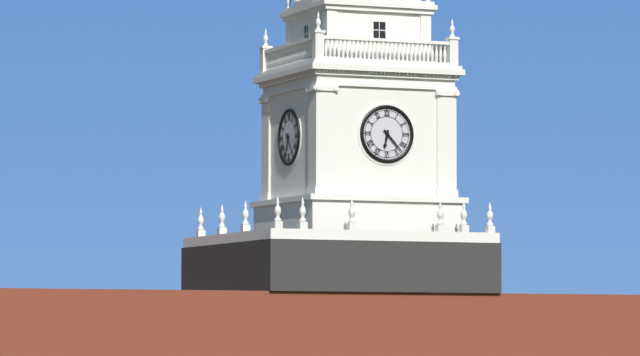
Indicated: 6,23
